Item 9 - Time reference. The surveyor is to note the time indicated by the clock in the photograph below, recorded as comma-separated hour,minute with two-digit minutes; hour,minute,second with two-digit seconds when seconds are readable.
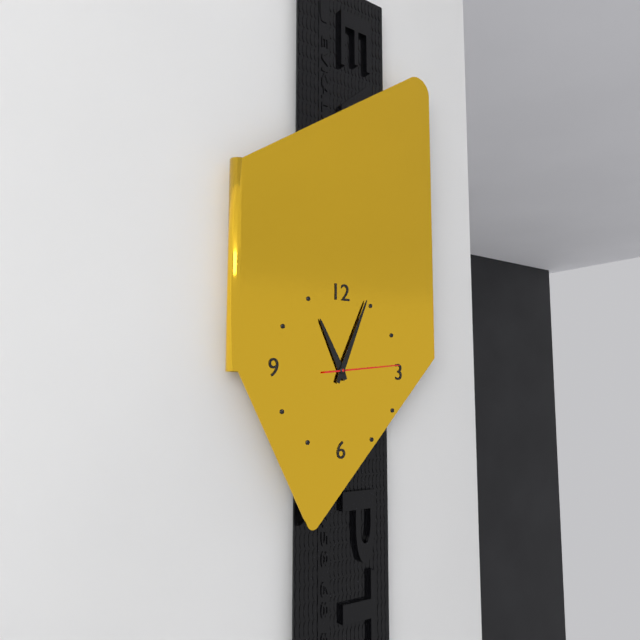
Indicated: 11,04,14
